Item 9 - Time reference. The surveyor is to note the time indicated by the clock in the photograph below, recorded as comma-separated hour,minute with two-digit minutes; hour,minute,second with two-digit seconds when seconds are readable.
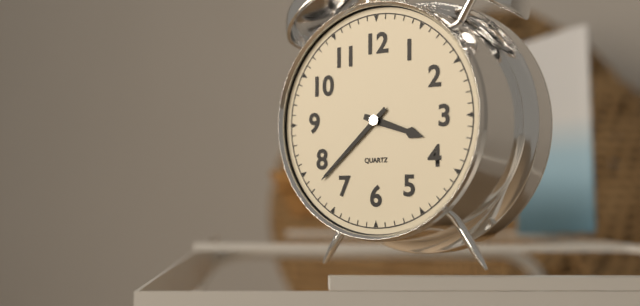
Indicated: 3,38
